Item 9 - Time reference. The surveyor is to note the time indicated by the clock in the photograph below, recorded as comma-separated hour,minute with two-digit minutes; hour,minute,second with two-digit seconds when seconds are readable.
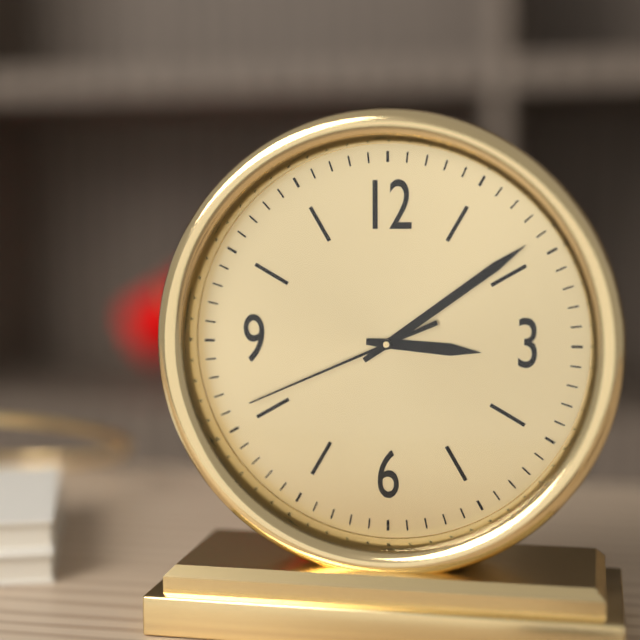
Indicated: 3,09,41
